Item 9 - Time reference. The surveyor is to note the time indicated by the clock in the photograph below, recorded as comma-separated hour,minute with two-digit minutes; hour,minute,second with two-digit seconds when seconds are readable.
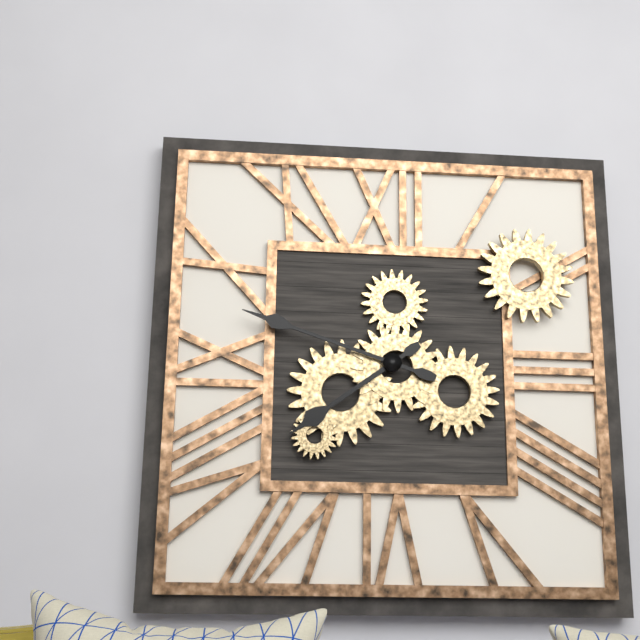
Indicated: 7,48
